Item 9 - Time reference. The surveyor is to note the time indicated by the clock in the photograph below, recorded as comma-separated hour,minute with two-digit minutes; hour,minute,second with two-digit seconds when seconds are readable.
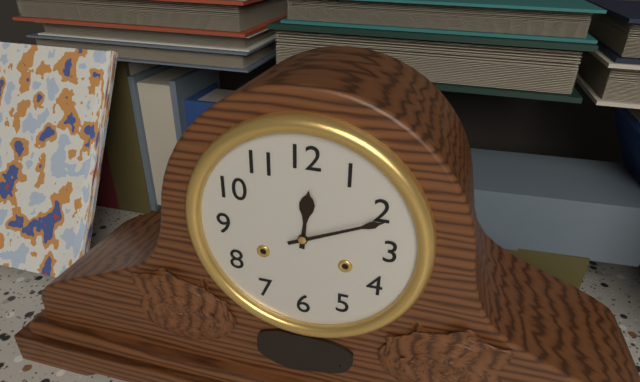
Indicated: 12,11
